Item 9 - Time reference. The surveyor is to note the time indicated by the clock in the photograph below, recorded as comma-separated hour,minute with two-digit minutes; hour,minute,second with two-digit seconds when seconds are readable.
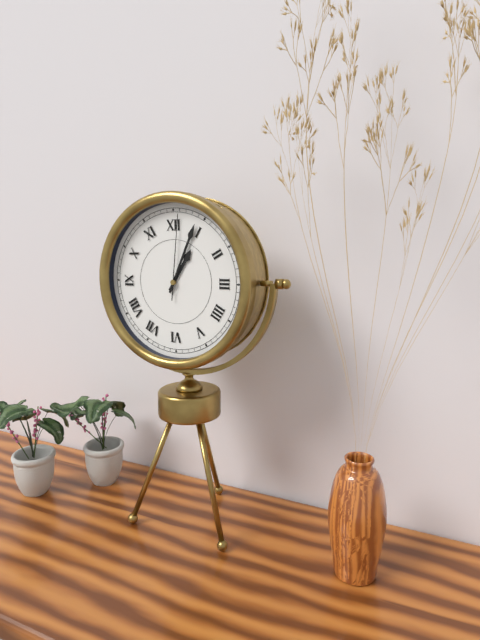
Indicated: 1,04,01
